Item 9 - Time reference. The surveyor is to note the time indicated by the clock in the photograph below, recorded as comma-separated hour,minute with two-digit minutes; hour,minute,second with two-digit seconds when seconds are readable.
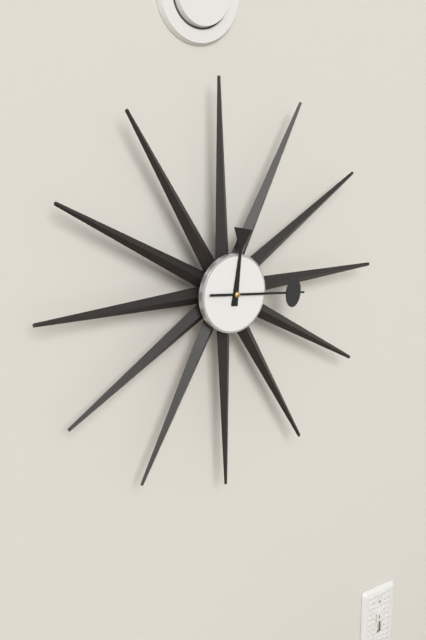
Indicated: 12,16
